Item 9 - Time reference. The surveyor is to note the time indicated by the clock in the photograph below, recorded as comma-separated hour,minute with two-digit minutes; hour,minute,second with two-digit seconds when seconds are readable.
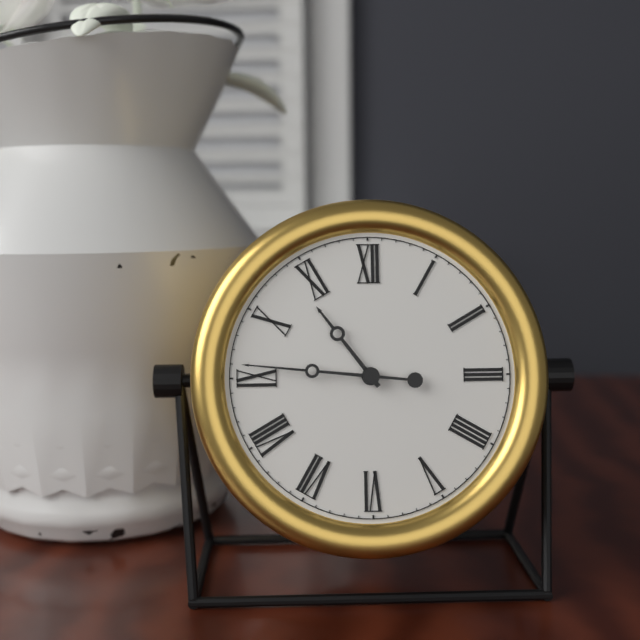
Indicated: 10,46
